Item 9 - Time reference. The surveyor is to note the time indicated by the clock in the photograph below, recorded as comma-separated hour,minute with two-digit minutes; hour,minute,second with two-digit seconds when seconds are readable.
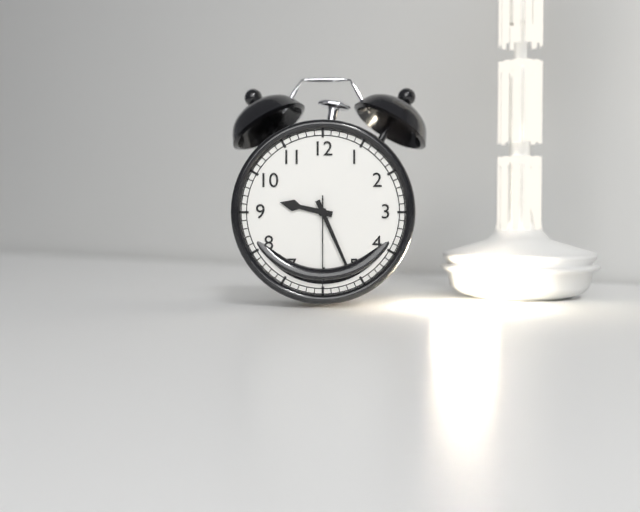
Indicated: 9,26,30
